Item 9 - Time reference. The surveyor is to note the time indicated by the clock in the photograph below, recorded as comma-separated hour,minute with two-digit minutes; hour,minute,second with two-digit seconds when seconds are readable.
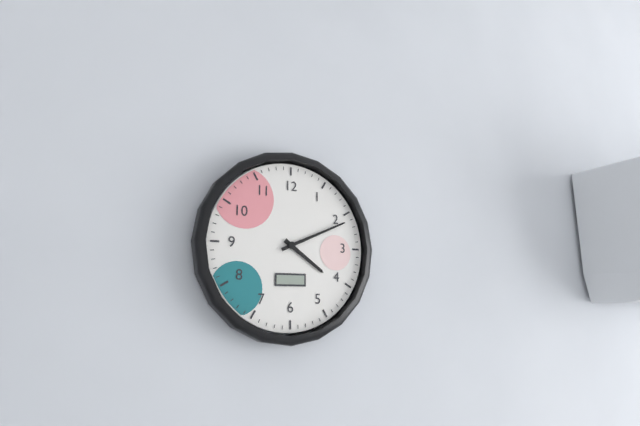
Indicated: 4,11
